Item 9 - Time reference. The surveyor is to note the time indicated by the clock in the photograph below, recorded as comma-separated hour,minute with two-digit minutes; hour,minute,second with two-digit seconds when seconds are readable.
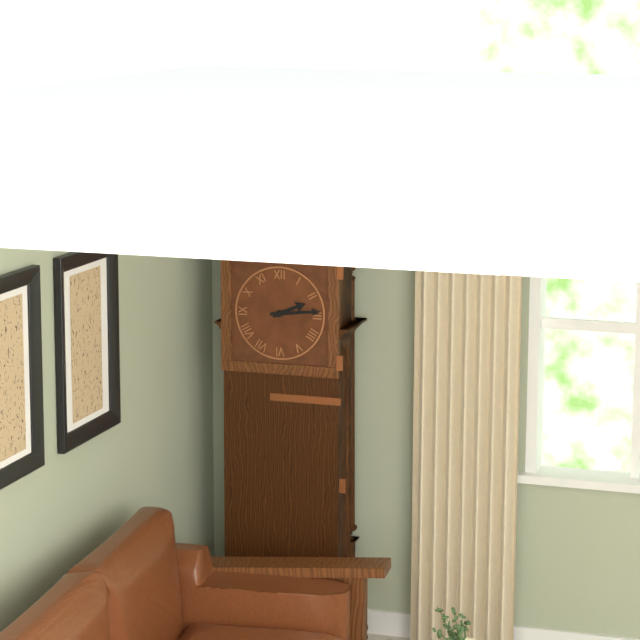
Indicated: 2,14
